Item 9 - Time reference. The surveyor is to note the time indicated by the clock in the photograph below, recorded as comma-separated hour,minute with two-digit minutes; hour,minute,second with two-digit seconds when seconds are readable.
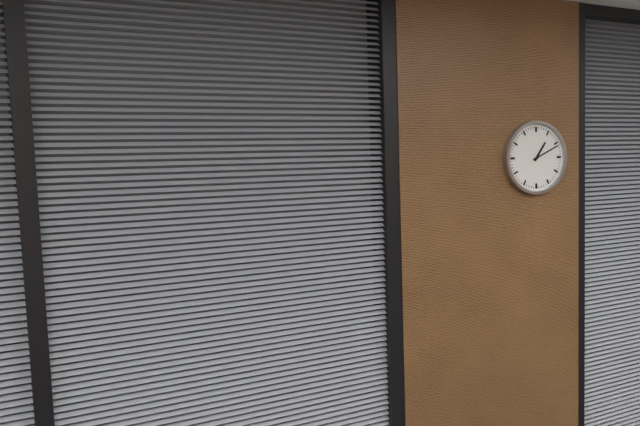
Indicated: 1,11
